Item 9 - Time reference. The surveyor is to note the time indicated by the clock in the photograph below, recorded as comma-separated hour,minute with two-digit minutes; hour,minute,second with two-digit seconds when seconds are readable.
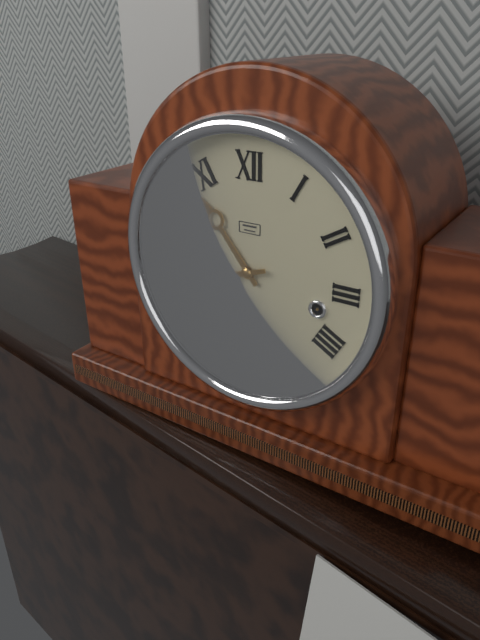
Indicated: 10,42
